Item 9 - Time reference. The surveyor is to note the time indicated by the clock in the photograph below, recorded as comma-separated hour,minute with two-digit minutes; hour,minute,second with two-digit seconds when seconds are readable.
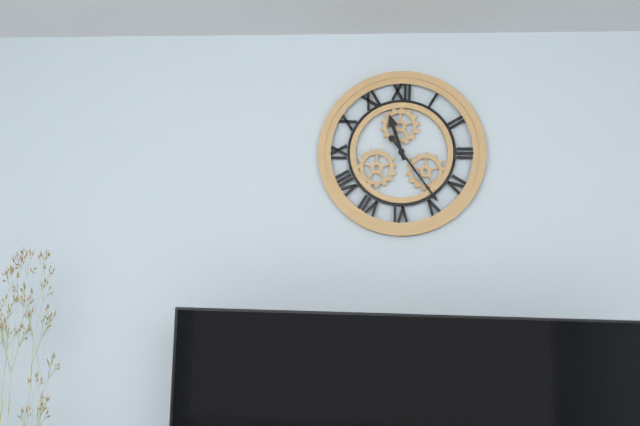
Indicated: 11,24
